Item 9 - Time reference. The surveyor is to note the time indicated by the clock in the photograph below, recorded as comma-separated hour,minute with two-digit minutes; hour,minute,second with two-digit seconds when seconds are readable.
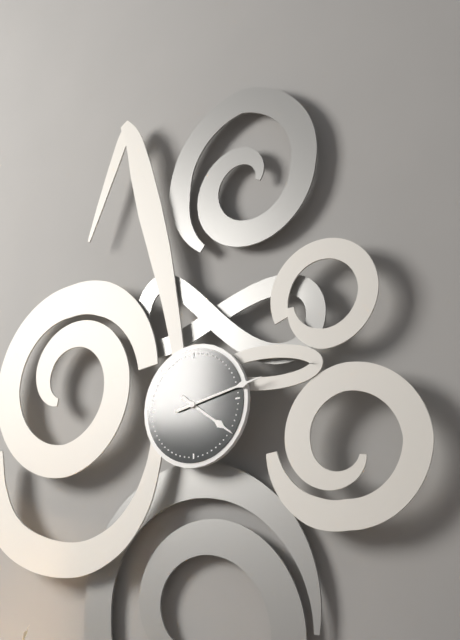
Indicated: 4,13
